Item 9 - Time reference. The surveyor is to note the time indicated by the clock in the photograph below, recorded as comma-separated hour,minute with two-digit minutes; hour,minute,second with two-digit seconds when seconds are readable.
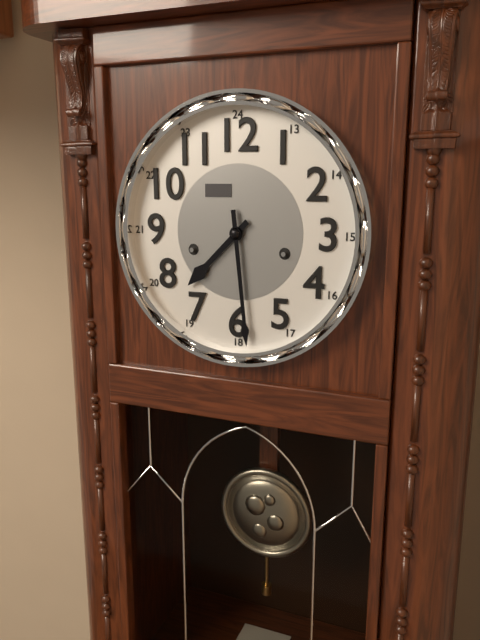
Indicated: 7,29
